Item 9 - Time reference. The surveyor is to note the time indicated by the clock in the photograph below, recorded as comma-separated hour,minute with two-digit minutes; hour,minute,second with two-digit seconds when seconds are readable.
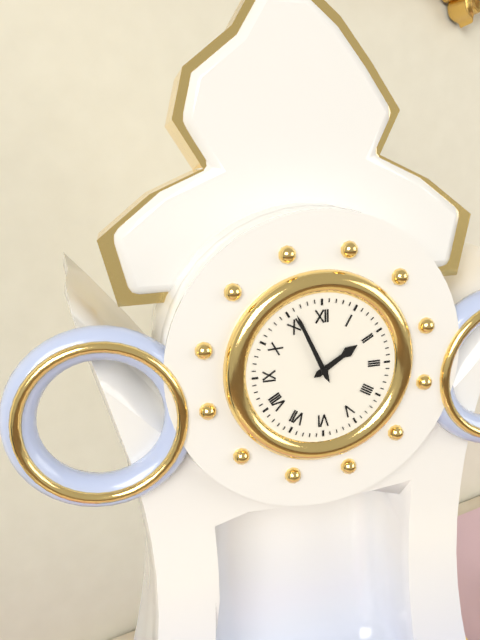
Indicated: 1,56
